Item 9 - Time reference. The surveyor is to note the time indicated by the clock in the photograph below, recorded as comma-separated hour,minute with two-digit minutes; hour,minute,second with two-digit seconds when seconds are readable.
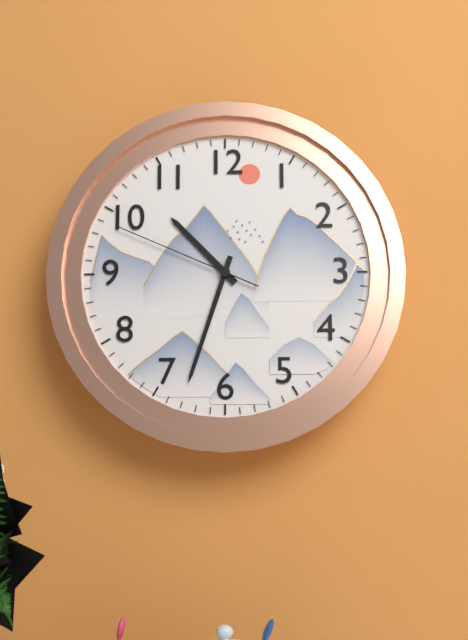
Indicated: 10,33,49
